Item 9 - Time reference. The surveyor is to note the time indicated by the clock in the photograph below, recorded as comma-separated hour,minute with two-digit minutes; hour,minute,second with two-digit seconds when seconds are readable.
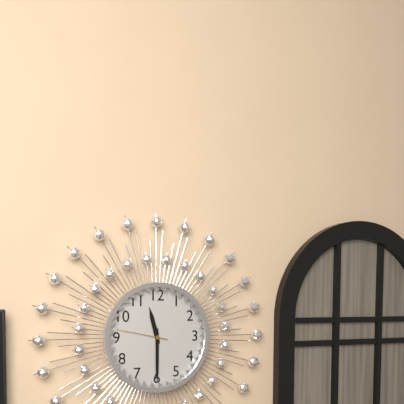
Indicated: 11,30,47
